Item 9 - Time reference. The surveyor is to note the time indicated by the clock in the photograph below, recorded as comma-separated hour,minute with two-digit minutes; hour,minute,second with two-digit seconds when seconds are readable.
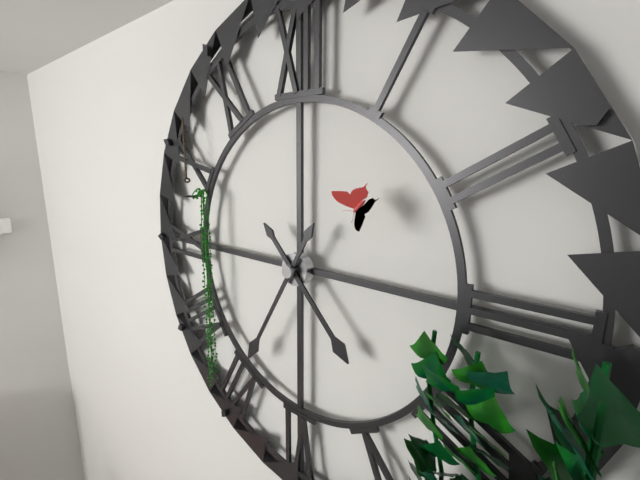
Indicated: 4,35
